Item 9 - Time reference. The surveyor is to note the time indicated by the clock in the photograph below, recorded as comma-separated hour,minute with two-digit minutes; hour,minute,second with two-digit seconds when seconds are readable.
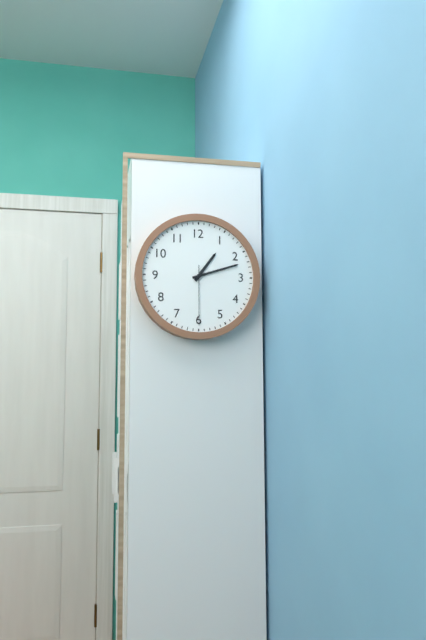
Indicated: 1,12,30
